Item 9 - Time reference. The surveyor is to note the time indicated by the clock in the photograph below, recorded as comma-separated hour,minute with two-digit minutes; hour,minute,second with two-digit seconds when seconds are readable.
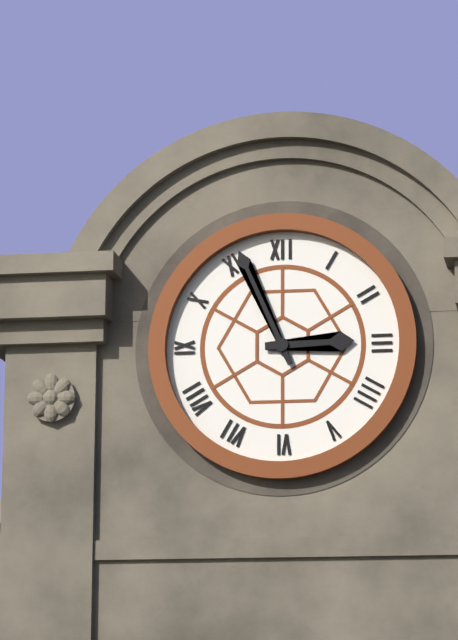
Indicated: 2,56
